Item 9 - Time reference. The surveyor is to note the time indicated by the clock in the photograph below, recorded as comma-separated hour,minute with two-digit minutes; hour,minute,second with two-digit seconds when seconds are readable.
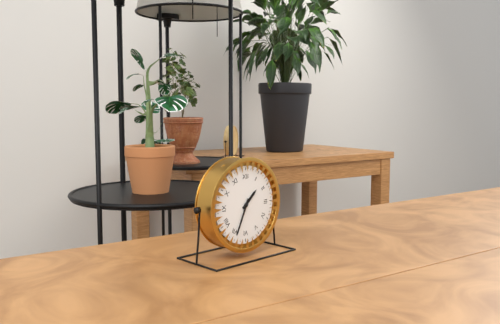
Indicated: 1,34
